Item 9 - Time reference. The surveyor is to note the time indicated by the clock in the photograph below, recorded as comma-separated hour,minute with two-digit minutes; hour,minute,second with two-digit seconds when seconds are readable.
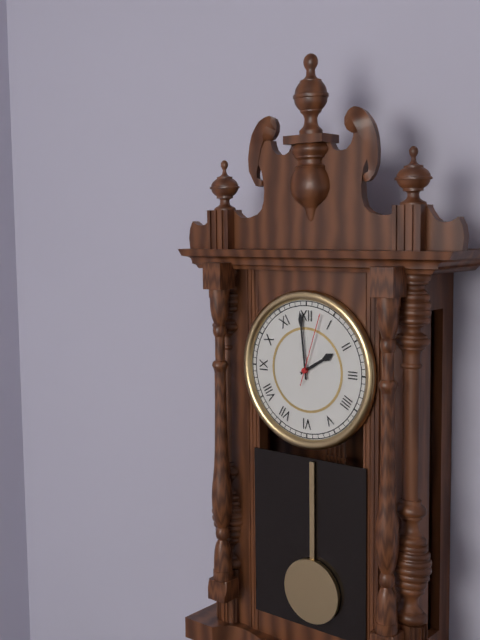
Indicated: 1,59,03
